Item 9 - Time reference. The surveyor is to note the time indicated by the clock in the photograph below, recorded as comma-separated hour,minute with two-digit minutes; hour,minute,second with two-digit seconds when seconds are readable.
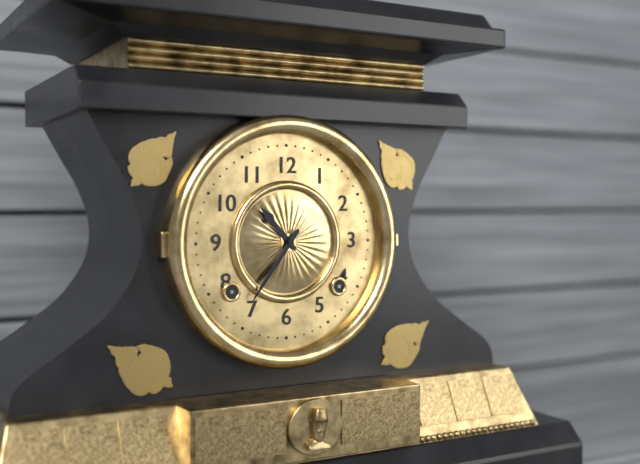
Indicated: 10,36
